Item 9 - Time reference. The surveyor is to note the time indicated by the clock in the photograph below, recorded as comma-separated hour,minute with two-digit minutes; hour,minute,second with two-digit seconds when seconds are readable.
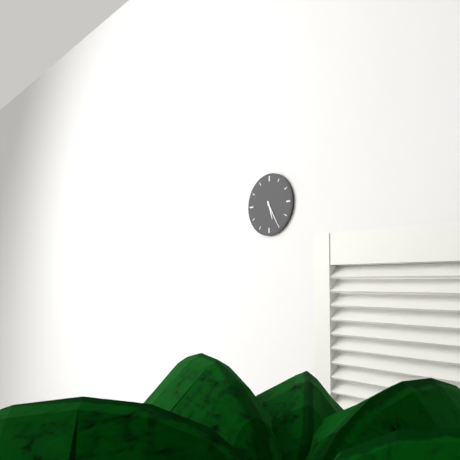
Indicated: 5,25
